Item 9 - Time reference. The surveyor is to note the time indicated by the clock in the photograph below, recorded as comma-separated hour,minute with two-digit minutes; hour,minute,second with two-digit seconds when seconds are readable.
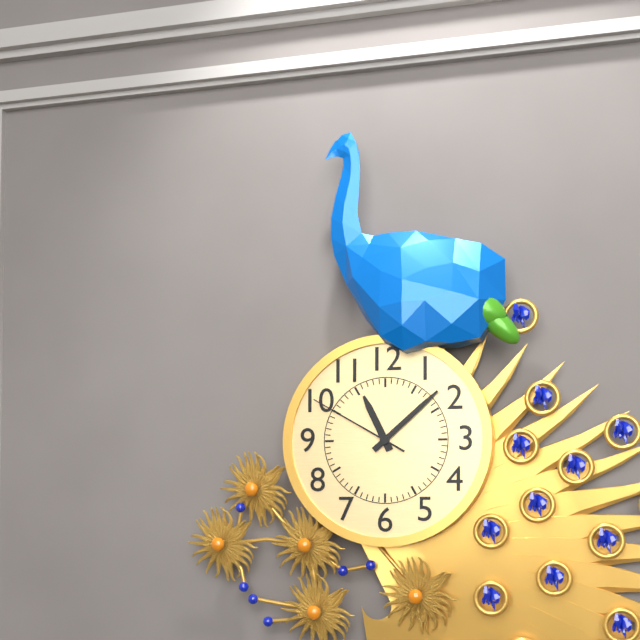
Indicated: 11,08,50
